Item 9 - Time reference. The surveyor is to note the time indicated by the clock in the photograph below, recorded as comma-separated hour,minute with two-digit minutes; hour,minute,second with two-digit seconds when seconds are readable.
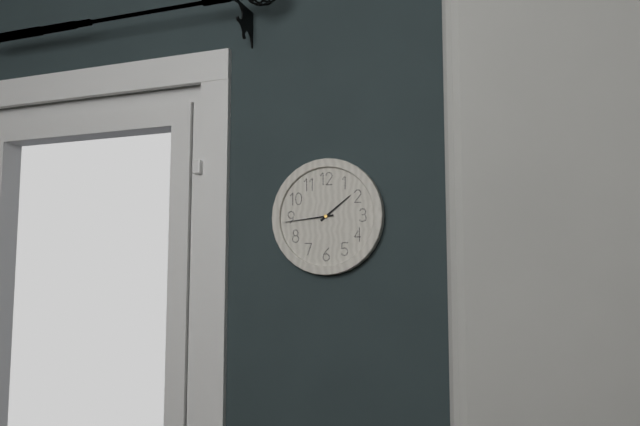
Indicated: 1,44
